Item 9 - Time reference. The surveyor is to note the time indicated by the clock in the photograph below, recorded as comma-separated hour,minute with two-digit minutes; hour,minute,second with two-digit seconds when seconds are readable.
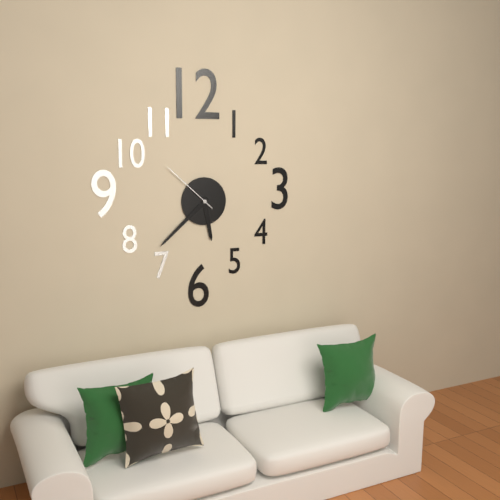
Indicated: 5,38,52
